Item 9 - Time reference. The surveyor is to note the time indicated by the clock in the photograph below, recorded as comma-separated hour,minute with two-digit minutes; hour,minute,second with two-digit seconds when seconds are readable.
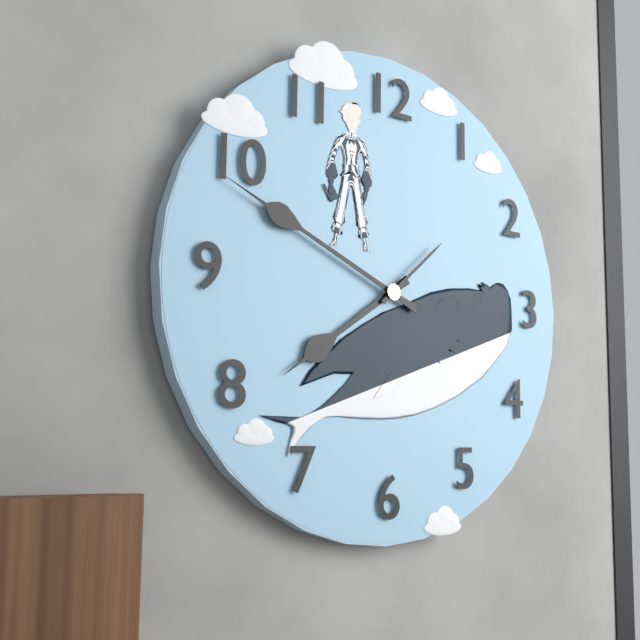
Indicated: 7,49,08
